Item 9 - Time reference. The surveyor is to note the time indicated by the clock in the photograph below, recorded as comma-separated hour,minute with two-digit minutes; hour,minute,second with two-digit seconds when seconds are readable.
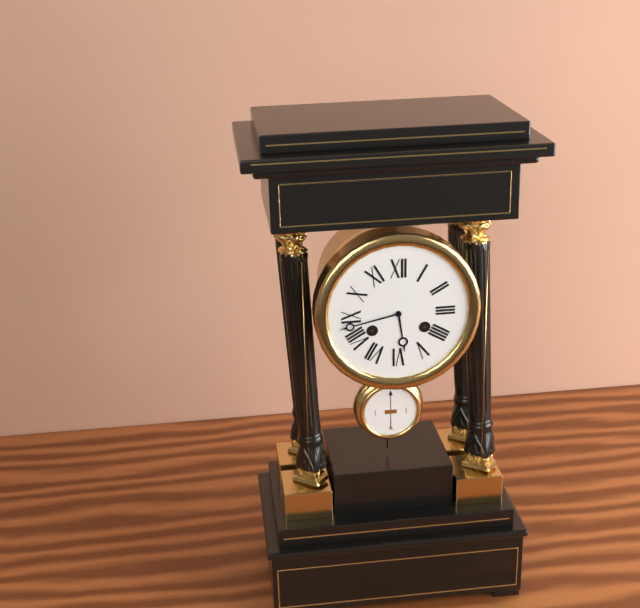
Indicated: 5,43
